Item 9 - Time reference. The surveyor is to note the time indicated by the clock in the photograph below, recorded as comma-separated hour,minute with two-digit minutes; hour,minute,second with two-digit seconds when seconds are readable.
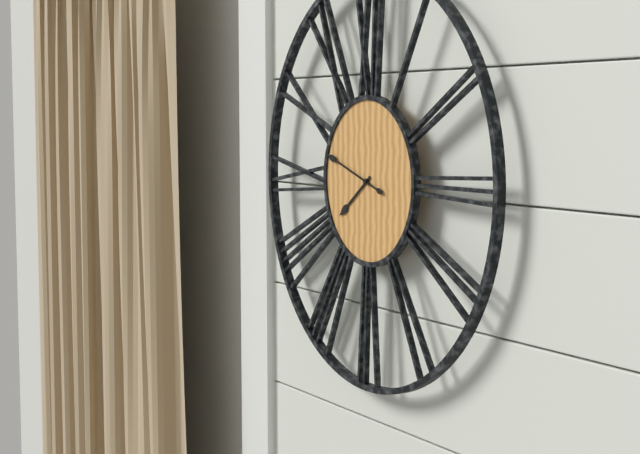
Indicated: 7,48
